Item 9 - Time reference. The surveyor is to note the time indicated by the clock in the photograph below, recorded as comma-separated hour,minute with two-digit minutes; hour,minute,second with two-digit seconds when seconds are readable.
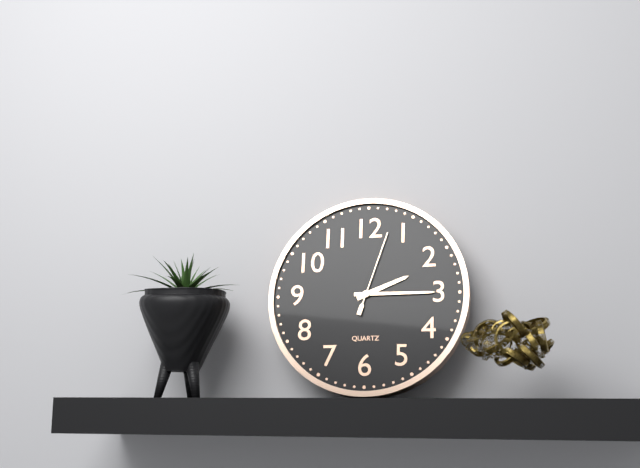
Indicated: 2,15,03
